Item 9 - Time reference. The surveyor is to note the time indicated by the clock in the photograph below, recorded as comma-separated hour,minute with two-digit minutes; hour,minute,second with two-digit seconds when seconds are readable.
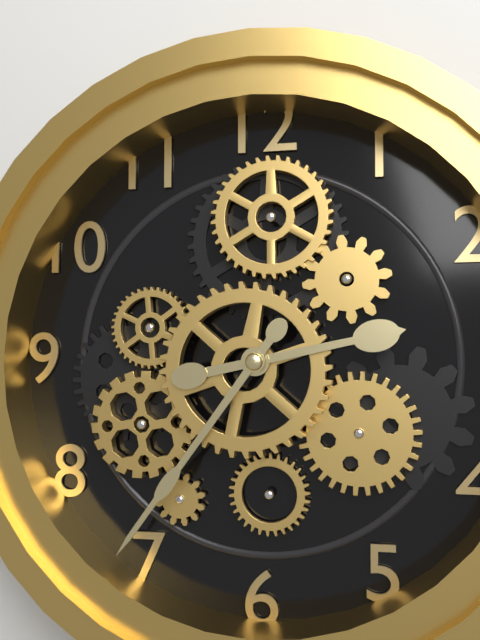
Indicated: 2,36
